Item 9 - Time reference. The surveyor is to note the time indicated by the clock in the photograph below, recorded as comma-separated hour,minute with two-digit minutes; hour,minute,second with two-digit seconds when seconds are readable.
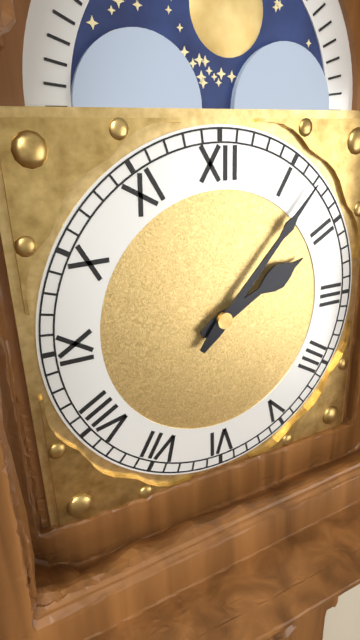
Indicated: 2,07
